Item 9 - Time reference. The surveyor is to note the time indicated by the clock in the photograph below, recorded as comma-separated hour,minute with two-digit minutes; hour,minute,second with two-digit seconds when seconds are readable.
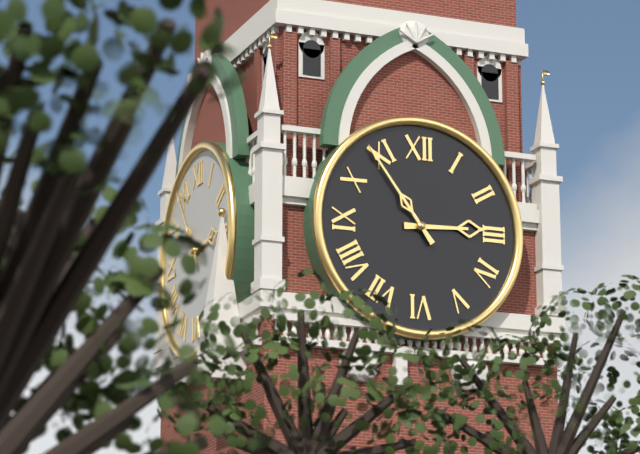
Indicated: 2,54
